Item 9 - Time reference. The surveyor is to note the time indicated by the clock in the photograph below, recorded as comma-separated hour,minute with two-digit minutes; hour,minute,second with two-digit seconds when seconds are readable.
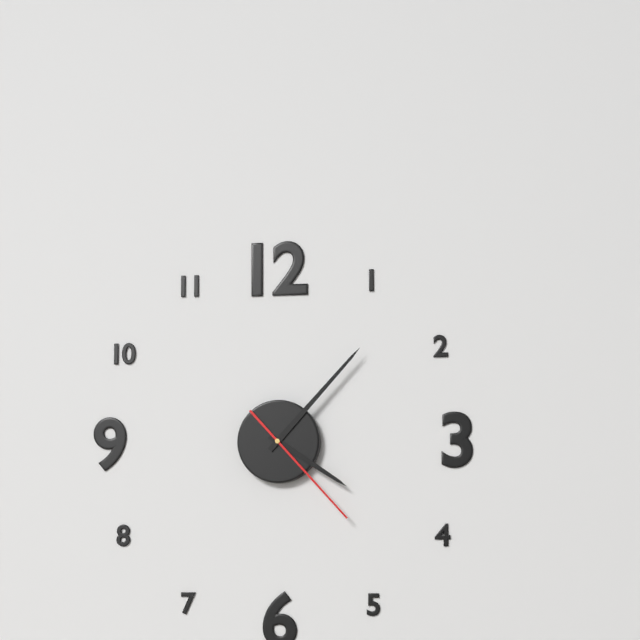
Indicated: 4,07,23
